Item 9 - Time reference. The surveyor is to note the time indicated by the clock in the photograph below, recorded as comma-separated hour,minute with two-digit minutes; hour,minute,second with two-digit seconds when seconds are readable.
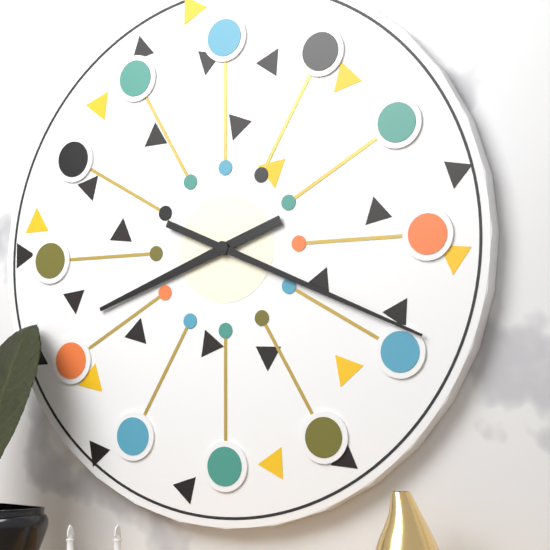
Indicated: 8,19
